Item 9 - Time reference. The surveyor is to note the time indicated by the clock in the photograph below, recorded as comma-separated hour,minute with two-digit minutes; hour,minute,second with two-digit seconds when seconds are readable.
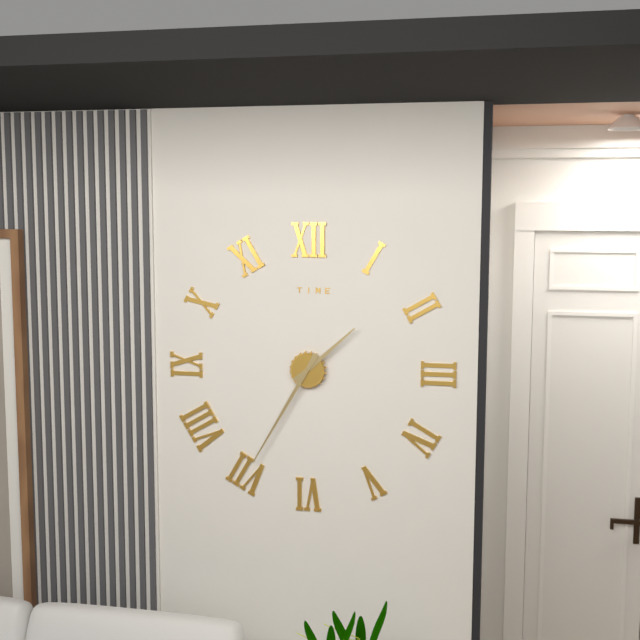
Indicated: 1,35
